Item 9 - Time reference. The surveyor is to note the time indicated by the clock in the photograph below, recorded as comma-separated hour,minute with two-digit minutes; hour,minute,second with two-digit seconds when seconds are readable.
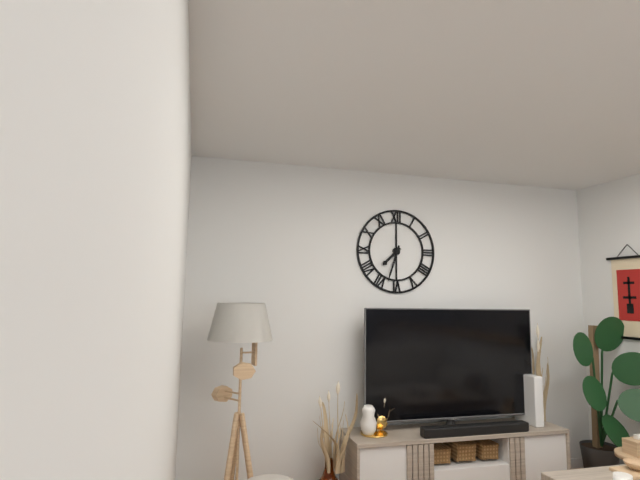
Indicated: 7,33
